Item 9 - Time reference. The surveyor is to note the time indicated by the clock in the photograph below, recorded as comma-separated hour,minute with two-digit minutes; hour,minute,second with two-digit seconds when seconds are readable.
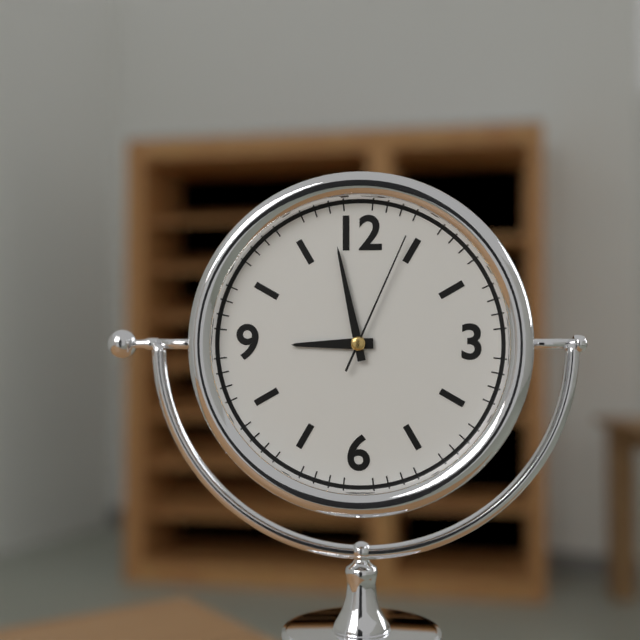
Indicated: 8,58,04
